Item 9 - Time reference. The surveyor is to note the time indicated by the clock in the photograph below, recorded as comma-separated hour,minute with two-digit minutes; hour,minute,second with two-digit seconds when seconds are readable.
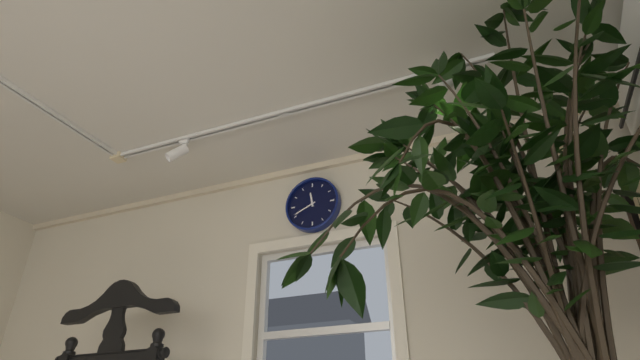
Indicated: 11,41
